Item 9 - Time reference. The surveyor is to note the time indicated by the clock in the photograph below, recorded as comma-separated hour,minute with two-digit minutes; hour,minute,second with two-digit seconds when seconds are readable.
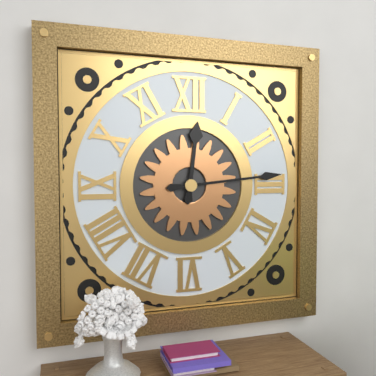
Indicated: 12,14
